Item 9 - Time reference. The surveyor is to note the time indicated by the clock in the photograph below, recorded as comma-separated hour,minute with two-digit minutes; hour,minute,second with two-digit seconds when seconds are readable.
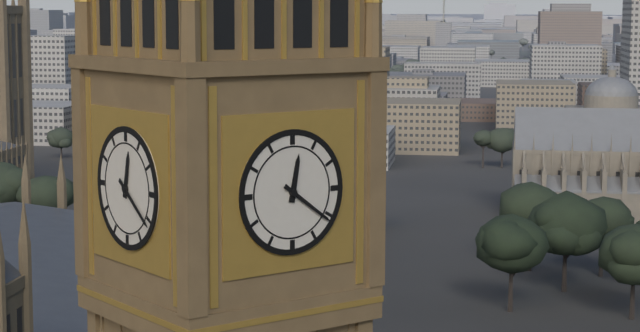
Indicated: 12,21
